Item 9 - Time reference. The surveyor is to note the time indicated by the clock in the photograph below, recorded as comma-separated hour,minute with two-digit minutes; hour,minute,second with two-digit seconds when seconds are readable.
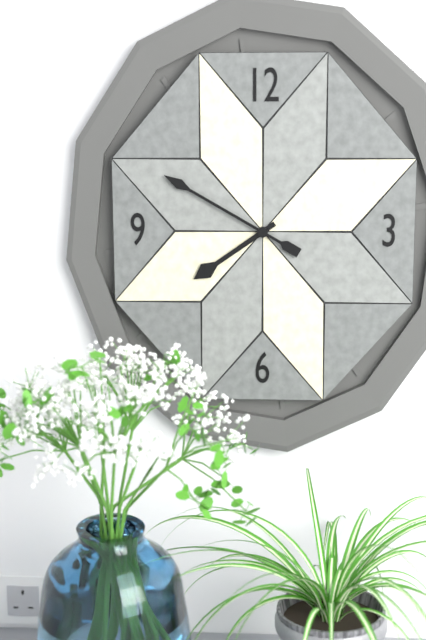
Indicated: 7,50
